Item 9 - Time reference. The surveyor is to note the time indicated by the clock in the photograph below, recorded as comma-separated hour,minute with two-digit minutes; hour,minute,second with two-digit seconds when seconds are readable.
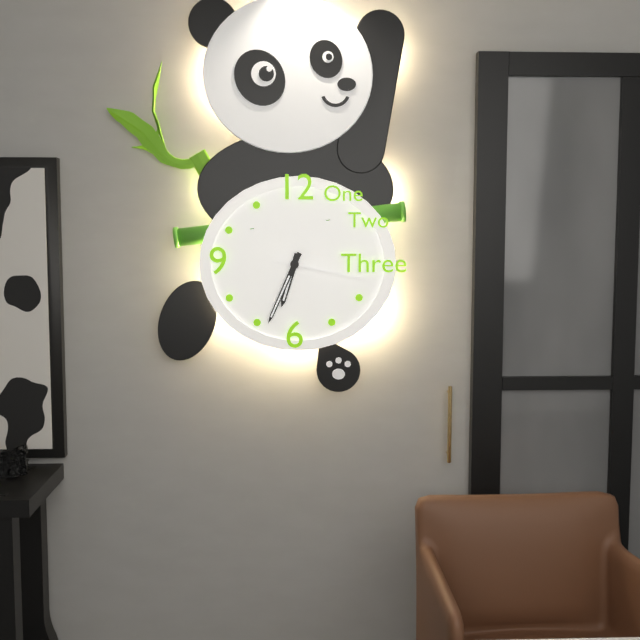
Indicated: 6,34,17
